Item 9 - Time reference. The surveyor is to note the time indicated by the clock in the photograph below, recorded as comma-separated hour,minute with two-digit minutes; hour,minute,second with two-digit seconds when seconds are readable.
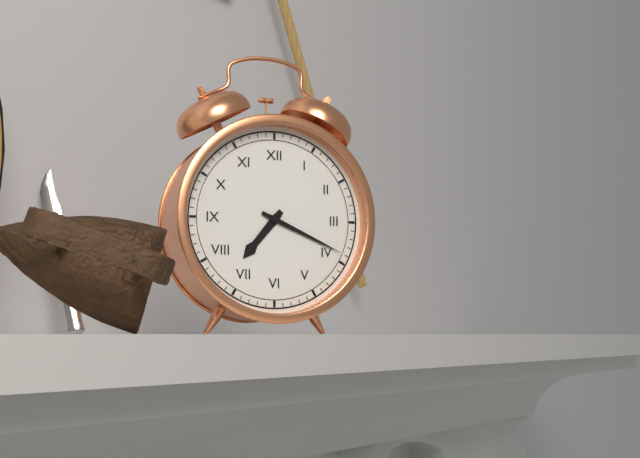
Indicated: 7,19
